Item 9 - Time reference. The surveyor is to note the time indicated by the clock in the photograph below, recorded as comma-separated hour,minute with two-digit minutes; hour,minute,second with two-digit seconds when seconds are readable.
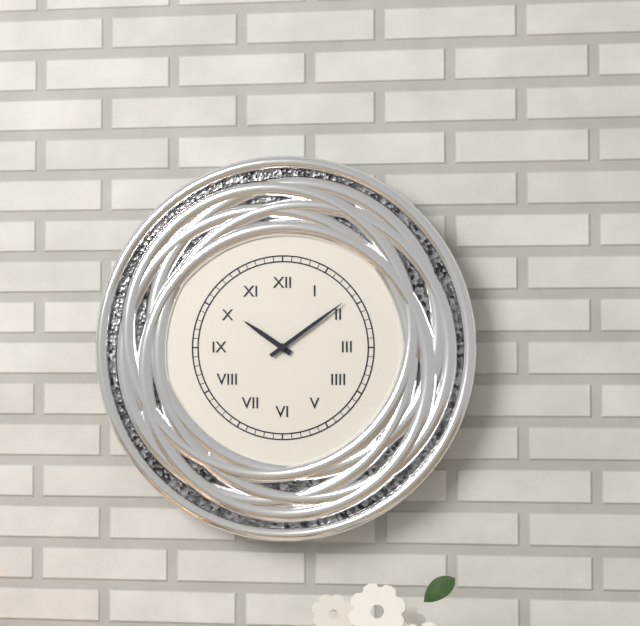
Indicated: 10,09
